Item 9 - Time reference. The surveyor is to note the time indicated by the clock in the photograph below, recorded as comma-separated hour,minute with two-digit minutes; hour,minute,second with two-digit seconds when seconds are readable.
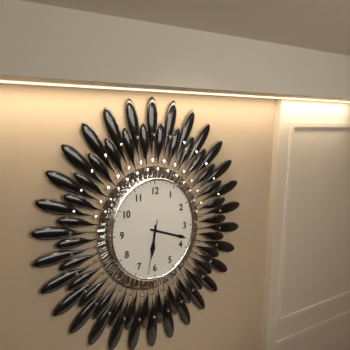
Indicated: 6,18,32
